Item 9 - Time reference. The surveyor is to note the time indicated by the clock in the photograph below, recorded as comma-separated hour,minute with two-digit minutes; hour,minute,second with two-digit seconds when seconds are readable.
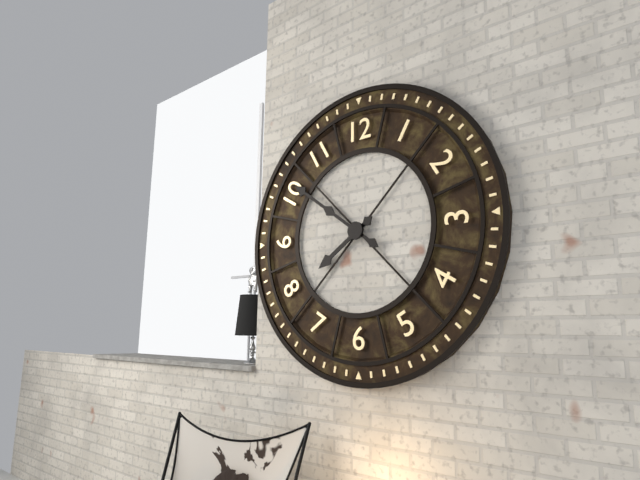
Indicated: 7,51
